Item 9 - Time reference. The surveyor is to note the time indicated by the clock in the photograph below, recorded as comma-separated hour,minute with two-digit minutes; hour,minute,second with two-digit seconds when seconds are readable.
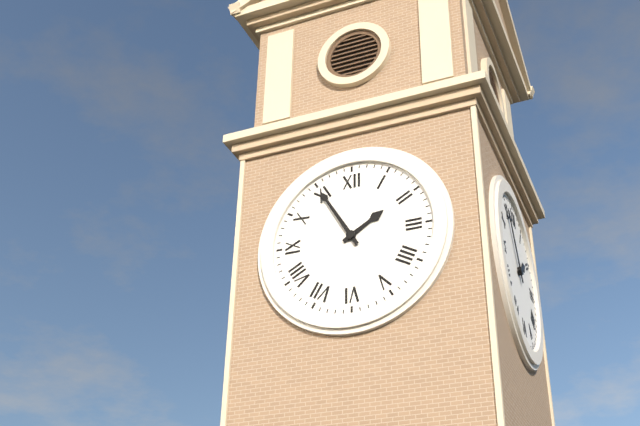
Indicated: 1,55
